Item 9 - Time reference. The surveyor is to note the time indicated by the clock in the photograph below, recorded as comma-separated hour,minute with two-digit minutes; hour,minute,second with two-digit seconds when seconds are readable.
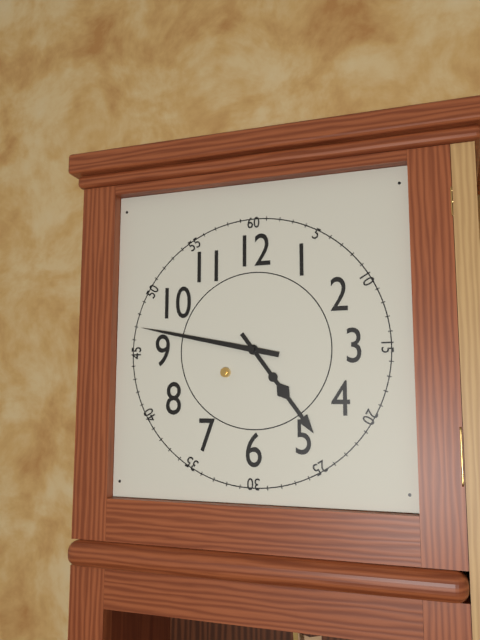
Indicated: 4,47
